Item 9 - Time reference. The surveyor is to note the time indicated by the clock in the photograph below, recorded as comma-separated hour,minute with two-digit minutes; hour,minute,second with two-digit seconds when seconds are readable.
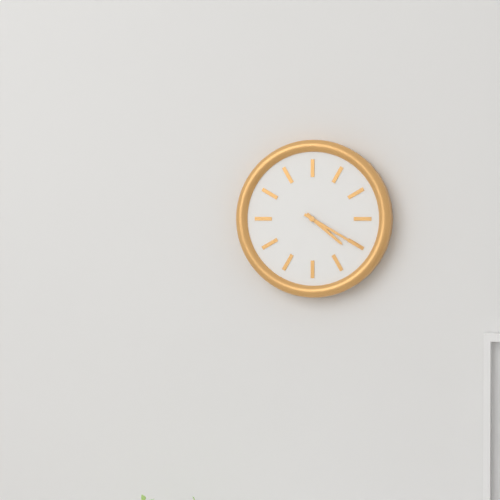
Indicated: 4,20
